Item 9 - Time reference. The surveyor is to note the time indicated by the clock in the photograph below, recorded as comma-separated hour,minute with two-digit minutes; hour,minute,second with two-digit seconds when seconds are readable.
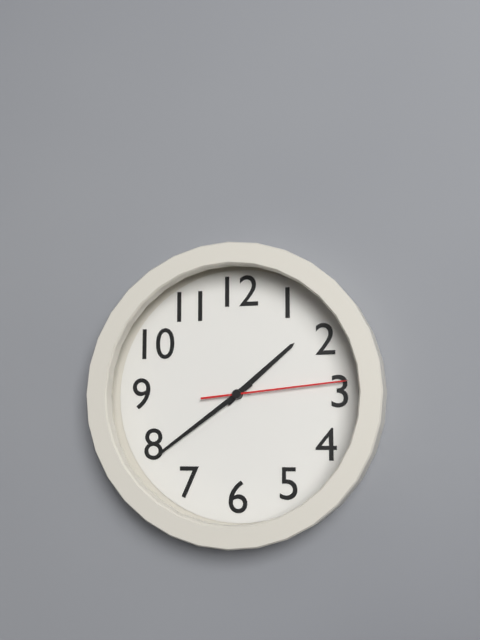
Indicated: 1,39,14
